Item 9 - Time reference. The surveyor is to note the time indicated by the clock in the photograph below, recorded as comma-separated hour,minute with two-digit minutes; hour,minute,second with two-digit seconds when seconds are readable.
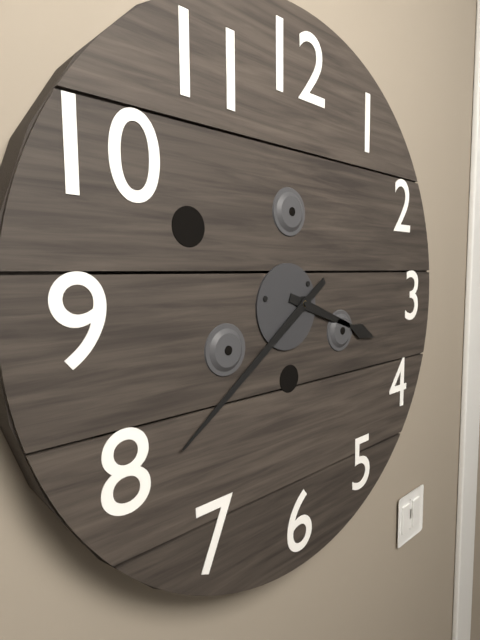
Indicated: 3,39
